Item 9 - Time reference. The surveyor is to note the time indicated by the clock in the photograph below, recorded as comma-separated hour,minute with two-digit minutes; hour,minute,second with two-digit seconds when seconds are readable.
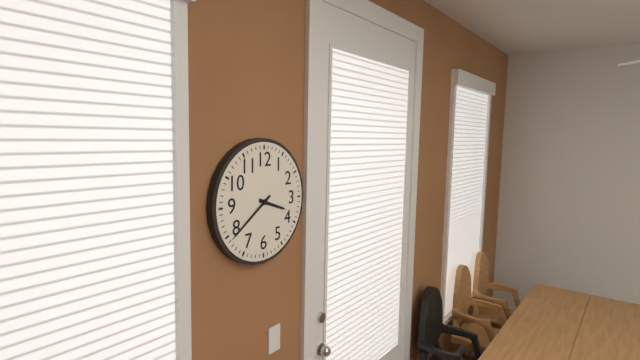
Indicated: 3,39
